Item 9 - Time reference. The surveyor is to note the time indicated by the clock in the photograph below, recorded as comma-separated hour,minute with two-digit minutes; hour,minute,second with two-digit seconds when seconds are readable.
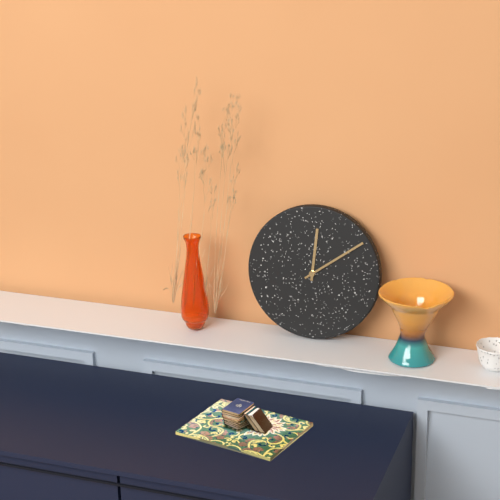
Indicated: 12,09
